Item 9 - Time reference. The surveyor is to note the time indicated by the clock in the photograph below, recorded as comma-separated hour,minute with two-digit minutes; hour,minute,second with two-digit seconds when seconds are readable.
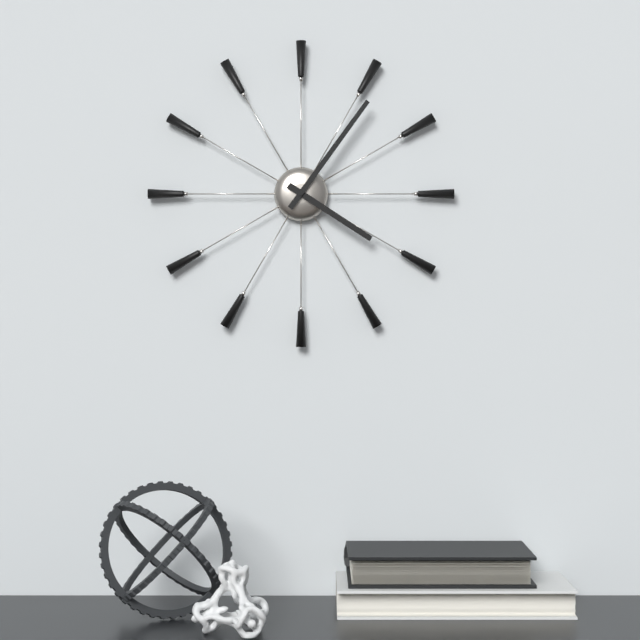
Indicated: 4,06
